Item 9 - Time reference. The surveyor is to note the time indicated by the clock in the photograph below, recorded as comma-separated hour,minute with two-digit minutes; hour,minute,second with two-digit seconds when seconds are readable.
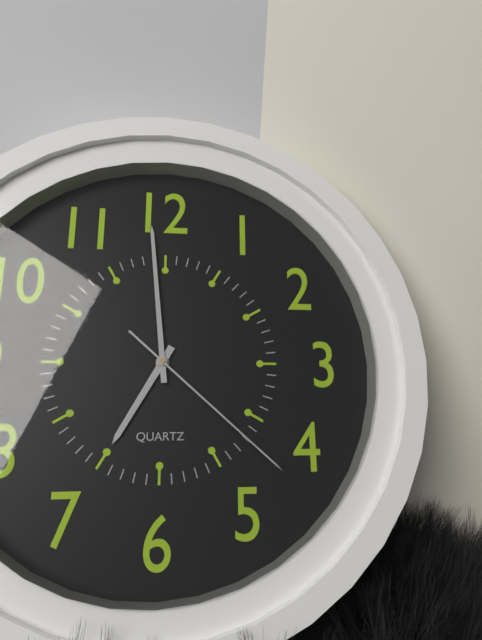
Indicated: 6,59,22
